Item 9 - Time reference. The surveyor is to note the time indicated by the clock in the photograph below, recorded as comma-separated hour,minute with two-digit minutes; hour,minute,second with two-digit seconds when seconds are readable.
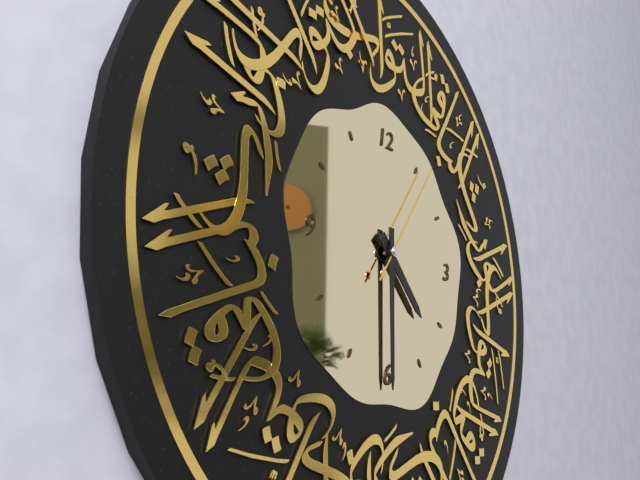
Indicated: 4,30,06
